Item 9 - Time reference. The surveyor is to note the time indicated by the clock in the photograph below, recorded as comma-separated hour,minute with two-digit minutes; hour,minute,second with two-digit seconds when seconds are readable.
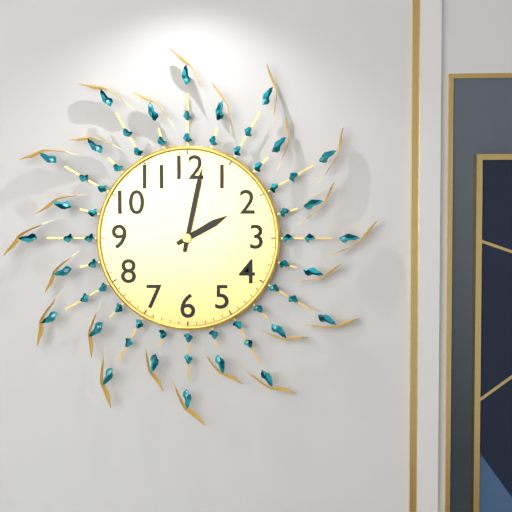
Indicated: 2,02
